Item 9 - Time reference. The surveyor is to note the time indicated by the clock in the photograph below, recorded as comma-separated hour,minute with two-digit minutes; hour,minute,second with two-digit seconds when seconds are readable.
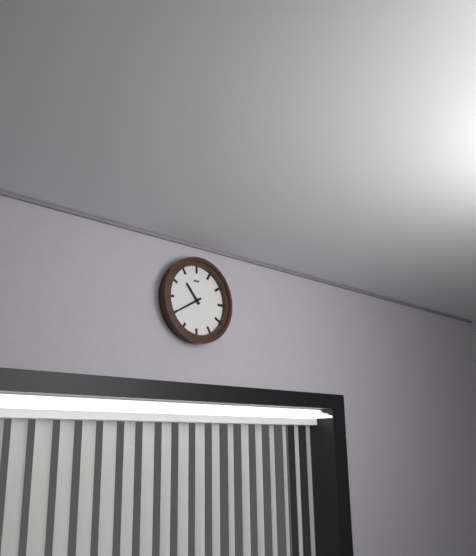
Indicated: 10,40
